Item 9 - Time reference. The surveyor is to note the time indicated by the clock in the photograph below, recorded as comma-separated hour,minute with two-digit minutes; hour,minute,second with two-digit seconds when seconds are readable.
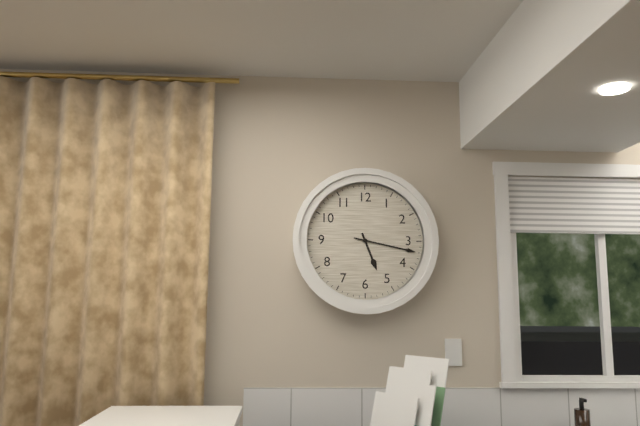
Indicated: 5,17
